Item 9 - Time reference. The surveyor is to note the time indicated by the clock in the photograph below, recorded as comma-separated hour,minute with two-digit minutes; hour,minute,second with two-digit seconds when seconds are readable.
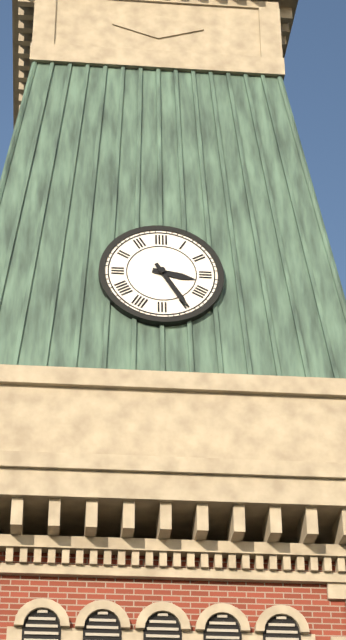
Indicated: 3,25
